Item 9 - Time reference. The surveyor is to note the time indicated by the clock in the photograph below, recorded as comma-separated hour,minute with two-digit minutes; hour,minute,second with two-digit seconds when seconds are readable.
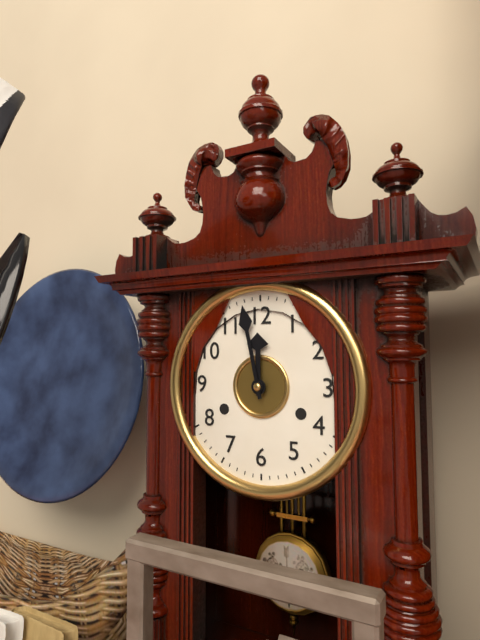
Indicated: 11,58
